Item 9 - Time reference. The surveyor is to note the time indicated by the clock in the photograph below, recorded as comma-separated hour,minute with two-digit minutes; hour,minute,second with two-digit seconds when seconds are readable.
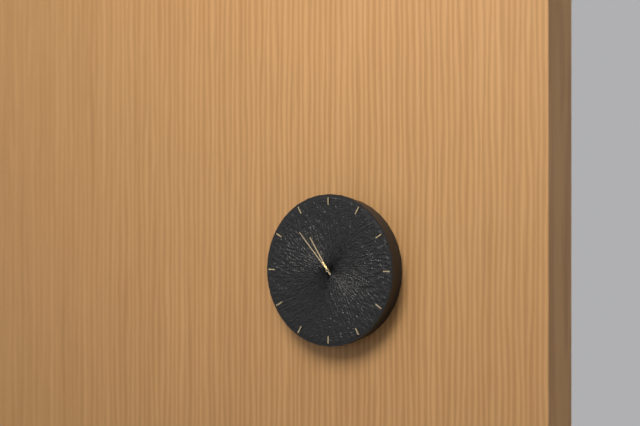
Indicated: 10,53
